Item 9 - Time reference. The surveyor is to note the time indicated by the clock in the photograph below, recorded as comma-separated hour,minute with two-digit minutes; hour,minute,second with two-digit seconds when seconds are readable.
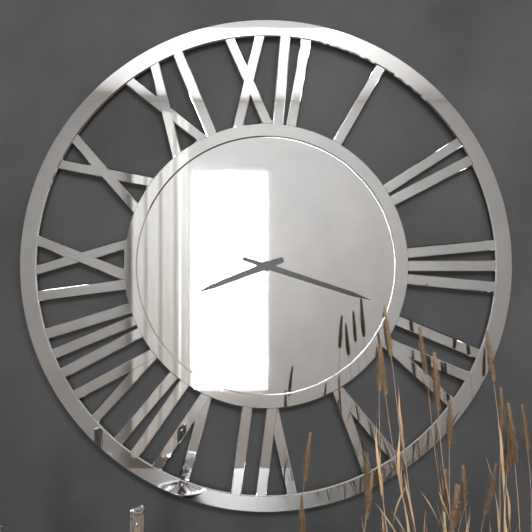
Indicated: 8,18
